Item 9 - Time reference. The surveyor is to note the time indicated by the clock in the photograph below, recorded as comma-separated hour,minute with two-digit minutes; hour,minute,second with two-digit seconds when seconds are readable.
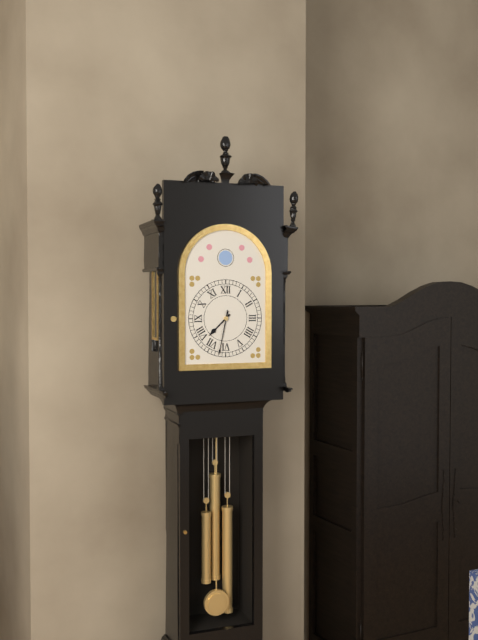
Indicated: 7,32
